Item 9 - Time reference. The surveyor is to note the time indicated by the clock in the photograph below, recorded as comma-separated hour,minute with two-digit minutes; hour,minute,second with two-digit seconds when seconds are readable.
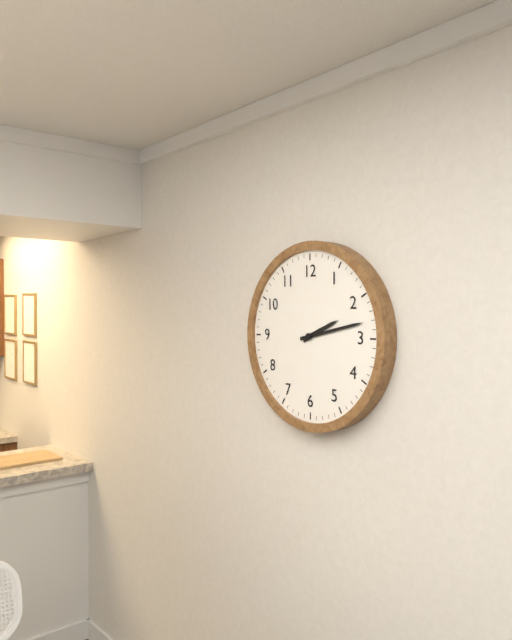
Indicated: 2,13
